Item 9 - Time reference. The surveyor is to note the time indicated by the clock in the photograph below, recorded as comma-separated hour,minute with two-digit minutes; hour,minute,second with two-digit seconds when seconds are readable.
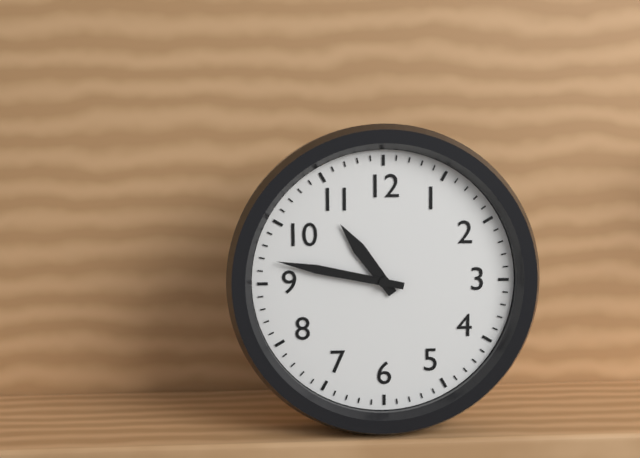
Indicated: 10,47
